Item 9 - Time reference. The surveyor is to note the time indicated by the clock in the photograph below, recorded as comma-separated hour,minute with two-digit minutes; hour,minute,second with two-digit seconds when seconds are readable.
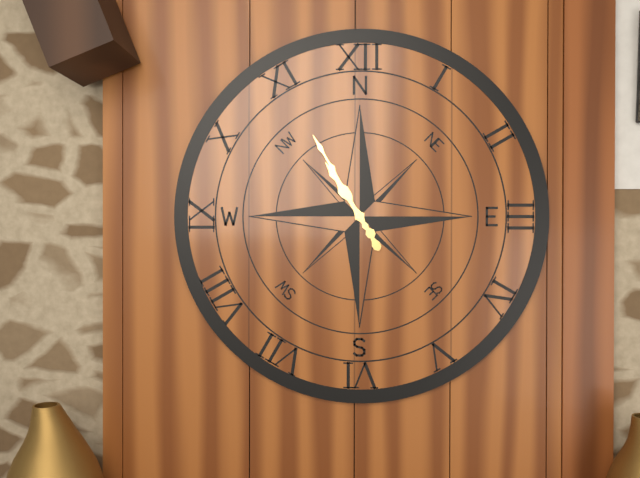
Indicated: 10,55
